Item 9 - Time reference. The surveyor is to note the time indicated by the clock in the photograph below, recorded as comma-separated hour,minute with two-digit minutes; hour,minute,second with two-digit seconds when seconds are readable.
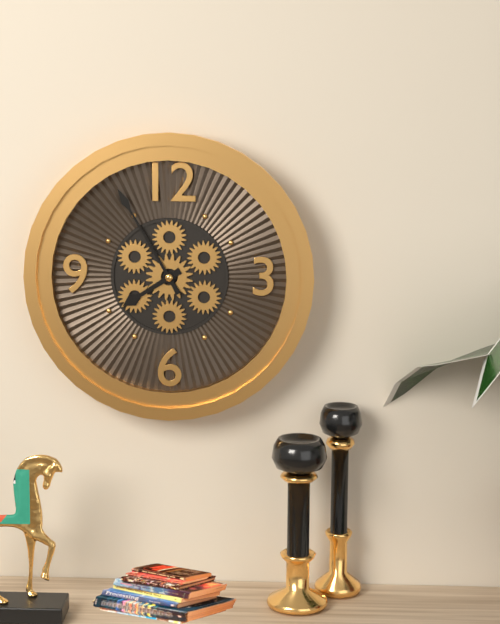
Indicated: 7,55
